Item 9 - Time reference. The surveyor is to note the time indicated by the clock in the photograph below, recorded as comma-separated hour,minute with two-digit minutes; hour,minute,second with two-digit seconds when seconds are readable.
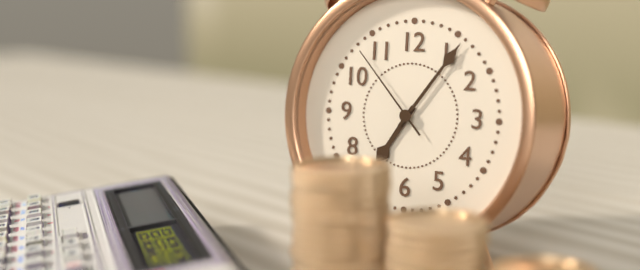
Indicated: 7,06,53
